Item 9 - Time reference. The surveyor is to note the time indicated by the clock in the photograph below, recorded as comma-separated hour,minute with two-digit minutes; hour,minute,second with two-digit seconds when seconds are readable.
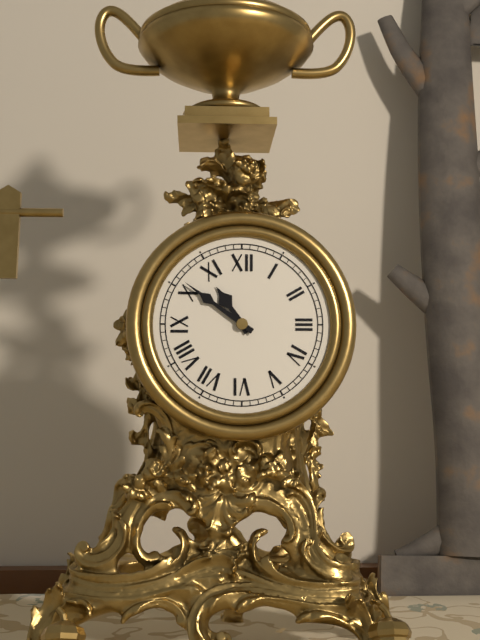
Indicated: 10,51
